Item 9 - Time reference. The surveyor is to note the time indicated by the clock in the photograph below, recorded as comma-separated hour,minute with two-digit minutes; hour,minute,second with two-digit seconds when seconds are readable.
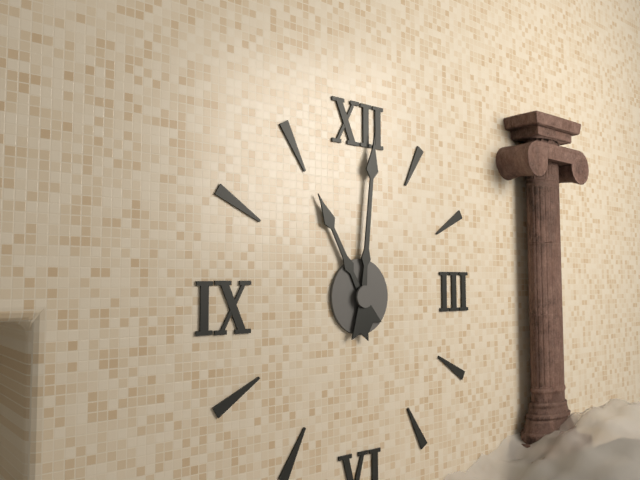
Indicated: 11,01
